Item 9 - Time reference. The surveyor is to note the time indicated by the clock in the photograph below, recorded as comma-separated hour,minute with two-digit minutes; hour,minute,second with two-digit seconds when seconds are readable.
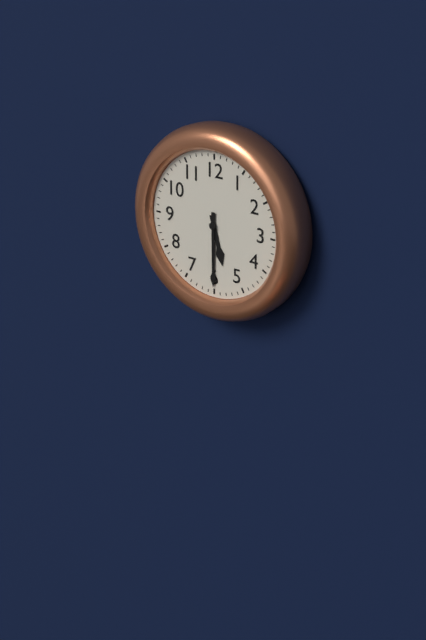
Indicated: 5,30
